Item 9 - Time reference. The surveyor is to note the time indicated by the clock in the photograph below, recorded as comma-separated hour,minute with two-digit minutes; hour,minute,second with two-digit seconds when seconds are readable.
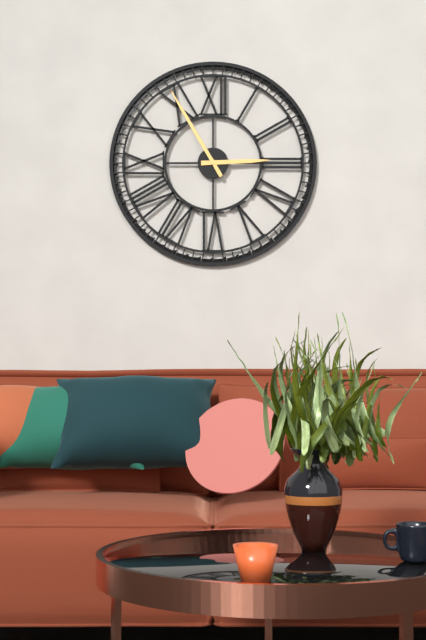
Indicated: 2,55
